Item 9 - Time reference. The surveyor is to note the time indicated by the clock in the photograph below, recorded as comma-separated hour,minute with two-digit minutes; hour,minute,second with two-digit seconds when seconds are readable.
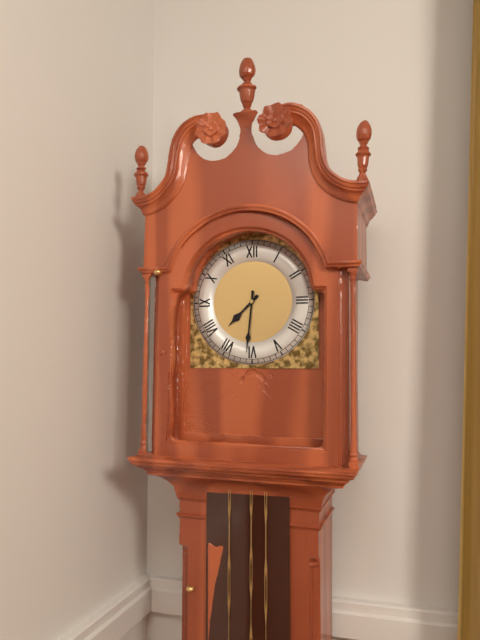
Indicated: 7,31
